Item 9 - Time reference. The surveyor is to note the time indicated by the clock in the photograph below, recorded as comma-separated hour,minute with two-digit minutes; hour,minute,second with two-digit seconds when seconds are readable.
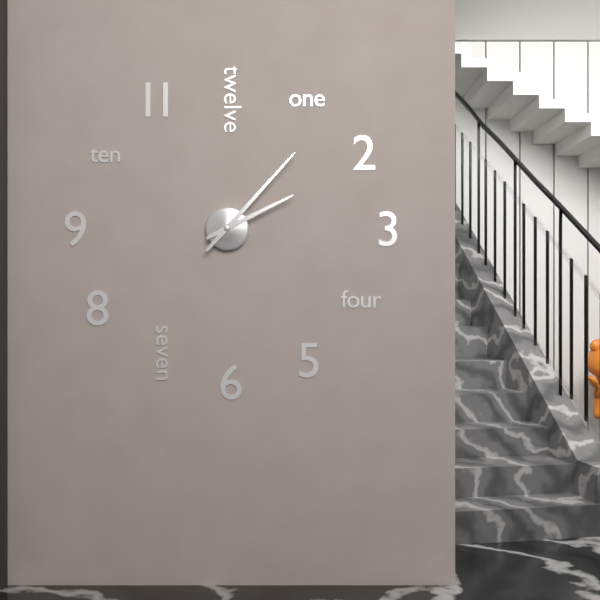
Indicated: 2,07
